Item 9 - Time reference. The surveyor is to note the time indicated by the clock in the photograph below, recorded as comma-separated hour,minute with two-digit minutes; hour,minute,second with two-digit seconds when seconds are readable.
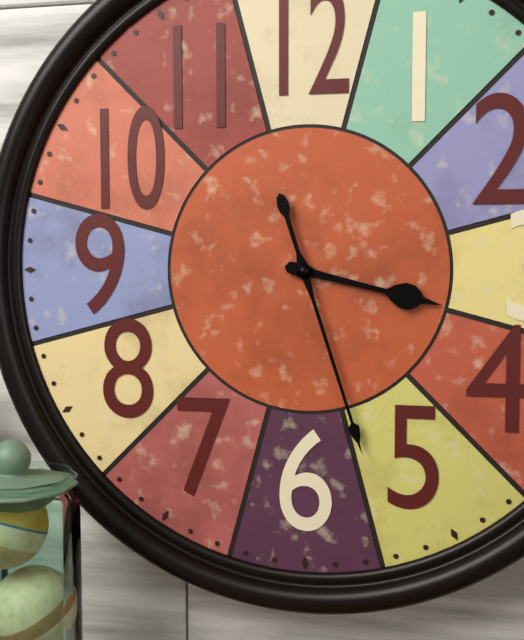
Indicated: 3,27
